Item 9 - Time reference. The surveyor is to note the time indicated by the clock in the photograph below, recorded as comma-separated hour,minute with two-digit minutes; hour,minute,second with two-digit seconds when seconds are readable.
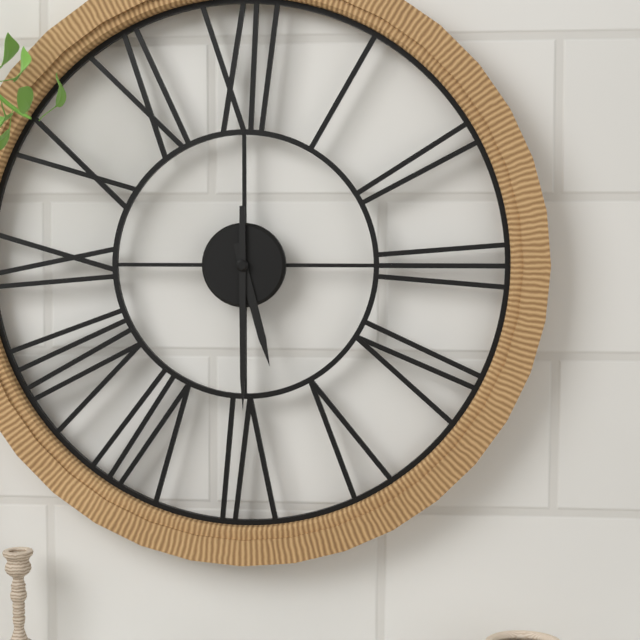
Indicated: 5,30
